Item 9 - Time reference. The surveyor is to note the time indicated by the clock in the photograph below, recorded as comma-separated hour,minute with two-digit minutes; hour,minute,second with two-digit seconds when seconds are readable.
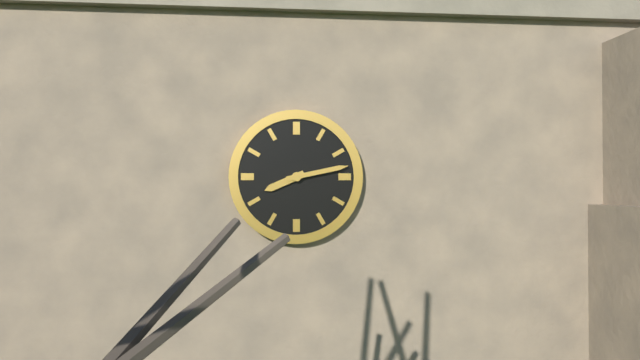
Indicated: 8,13
